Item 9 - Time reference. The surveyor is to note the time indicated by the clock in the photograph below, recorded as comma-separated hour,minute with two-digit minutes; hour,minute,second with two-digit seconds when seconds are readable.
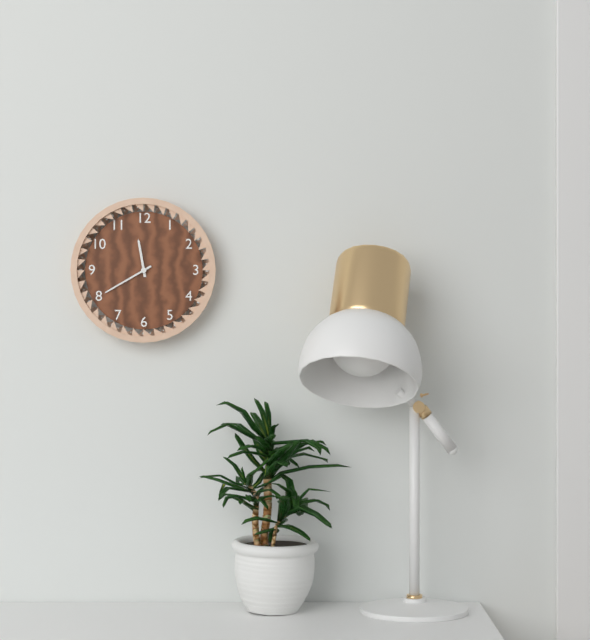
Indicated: 11,40
